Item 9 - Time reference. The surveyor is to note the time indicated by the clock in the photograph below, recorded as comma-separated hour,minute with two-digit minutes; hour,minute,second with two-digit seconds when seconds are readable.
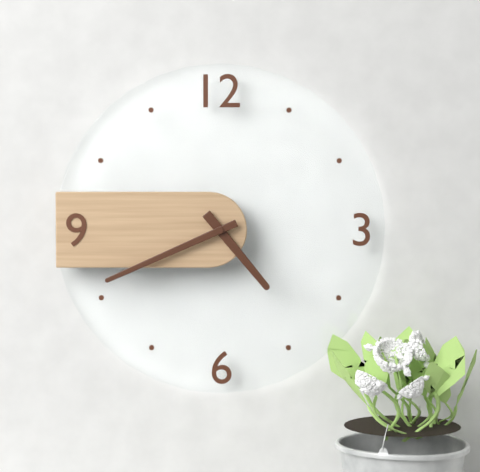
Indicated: 4,41
